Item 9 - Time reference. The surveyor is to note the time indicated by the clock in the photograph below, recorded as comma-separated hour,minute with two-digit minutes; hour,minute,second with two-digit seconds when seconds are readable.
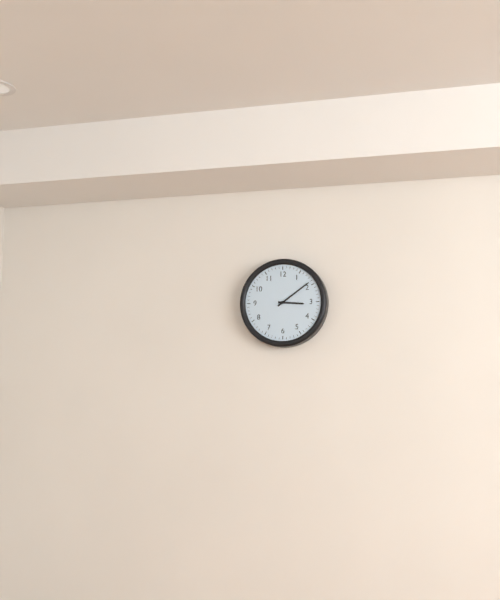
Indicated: 3,09
